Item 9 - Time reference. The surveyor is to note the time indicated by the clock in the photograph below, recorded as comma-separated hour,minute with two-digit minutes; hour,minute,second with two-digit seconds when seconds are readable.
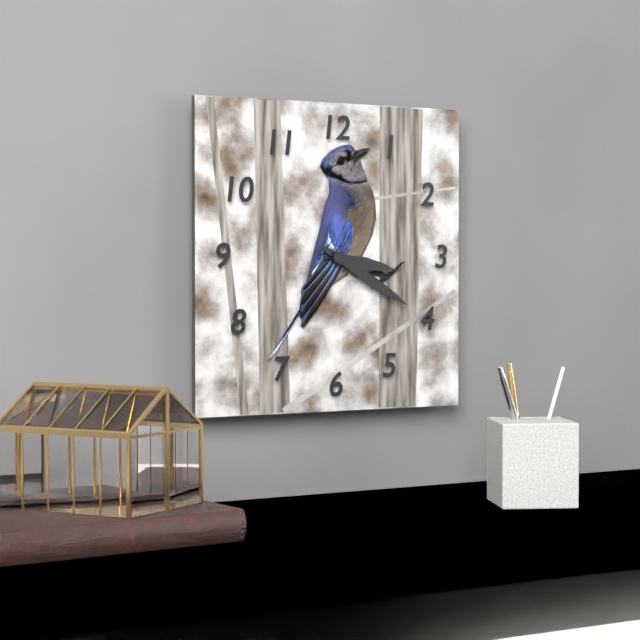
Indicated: 3,20
